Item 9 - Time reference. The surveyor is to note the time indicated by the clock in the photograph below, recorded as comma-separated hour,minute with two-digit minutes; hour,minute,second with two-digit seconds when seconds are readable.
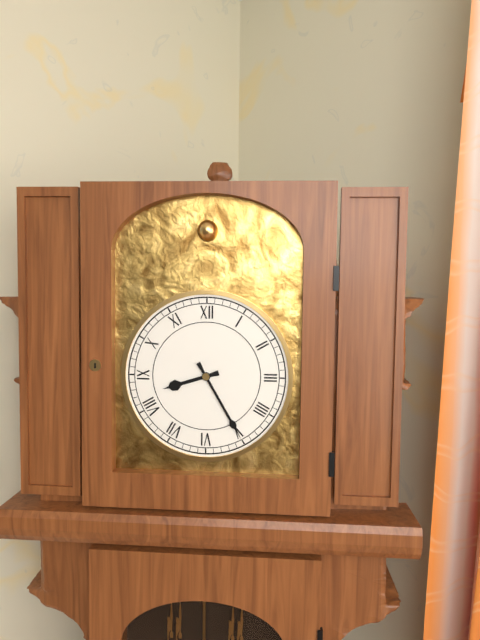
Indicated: 8,25
